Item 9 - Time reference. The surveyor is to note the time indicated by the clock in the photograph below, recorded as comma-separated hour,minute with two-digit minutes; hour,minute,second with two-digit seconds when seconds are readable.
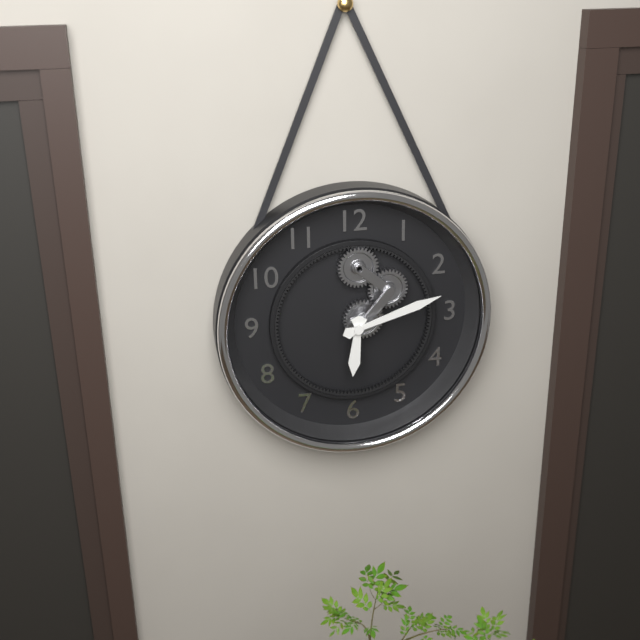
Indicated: 6,12
